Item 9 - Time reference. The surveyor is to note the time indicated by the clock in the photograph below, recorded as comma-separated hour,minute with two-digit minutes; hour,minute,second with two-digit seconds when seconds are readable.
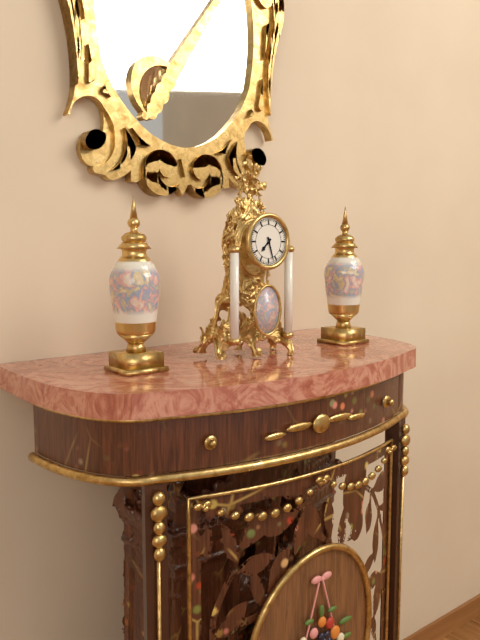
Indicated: 7,27
